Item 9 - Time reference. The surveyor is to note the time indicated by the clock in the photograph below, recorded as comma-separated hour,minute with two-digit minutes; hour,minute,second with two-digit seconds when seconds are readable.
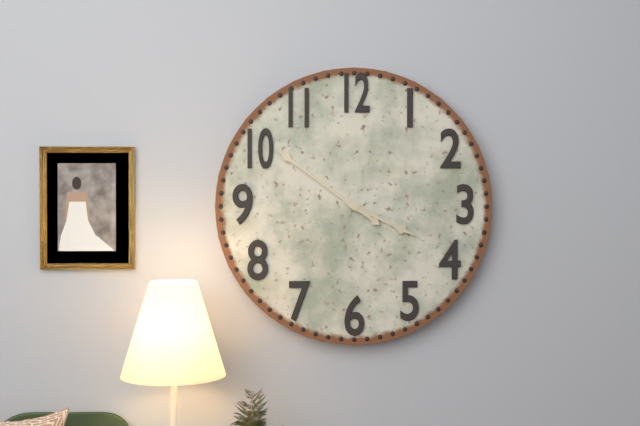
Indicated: 3,51
